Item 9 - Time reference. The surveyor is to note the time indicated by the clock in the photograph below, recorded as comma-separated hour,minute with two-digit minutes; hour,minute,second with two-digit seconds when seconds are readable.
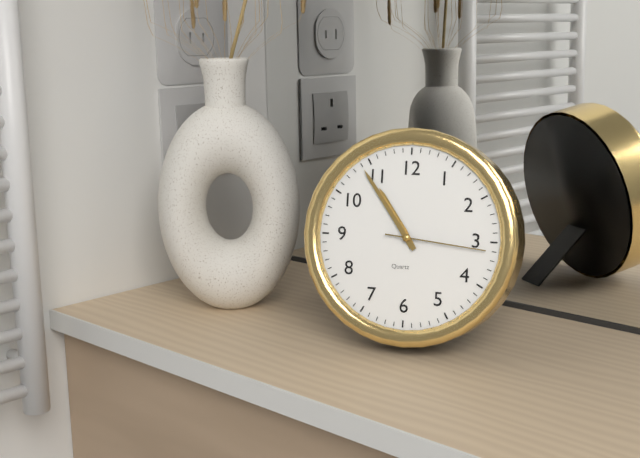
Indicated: 10,54,16
